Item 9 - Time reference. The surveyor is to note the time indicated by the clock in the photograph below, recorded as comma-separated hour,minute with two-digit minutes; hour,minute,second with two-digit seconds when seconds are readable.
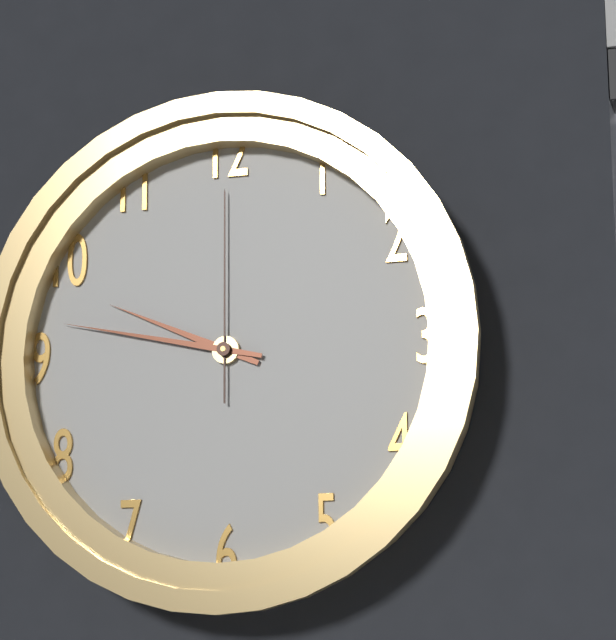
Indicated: 9,47,00
